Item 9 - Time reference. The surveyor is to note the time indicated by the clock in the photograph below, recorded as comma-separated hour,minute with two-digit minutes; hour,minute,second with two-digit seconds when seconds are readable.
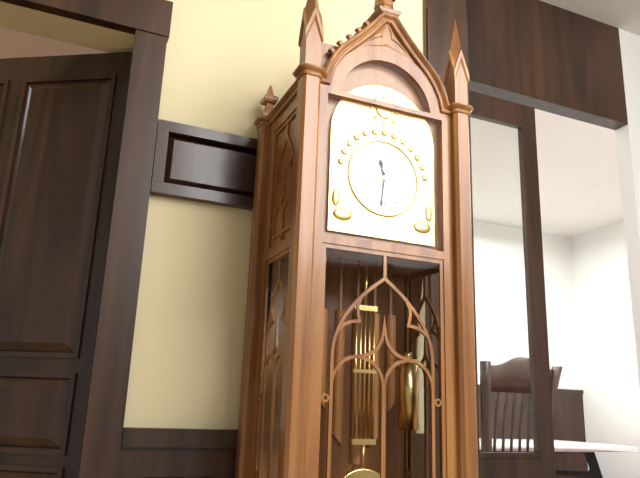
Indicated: 11,31
